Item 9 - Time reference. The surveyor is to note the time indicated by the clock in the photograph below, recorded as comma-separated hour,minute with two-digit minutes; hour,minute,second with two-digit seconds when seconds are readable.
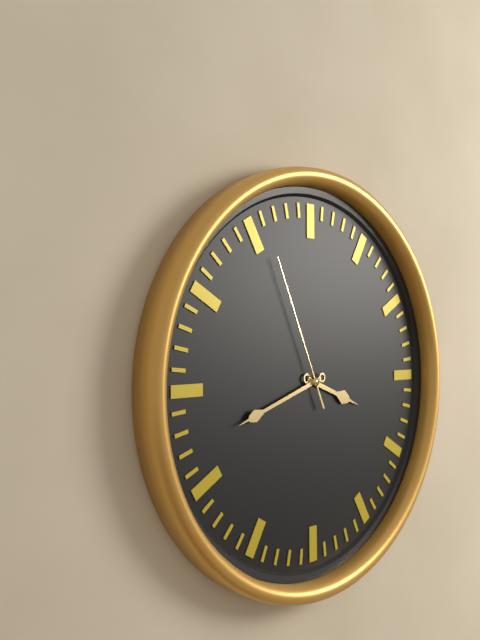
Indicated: 3,42,56
